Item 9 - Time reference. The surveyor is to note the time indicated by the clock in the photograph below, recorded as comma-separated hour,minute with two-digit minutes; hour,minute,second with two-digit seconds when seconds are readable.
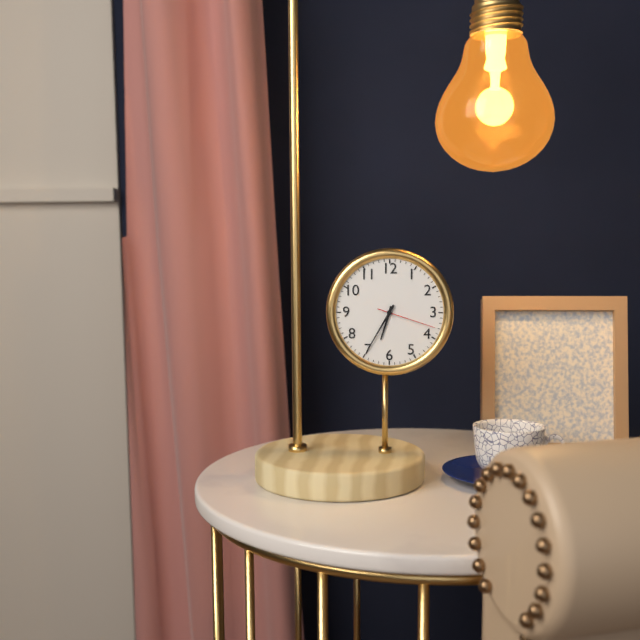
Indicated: 6,35,18
